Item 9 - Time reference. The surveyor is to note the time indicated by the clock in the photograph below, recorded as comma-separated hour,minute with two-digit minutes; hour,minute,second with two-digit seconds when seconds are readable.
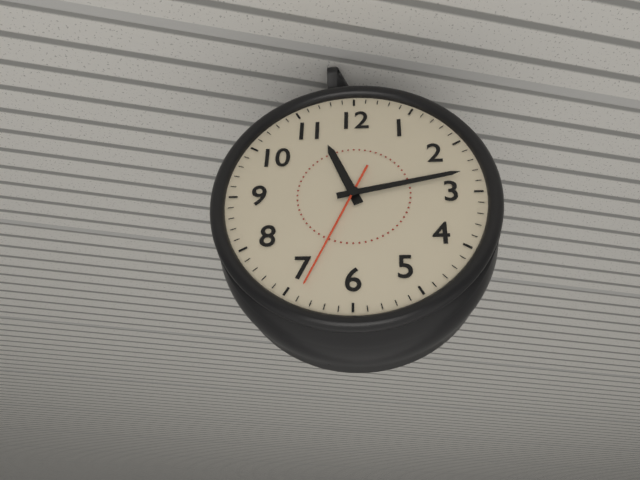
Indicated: 11,13,34
